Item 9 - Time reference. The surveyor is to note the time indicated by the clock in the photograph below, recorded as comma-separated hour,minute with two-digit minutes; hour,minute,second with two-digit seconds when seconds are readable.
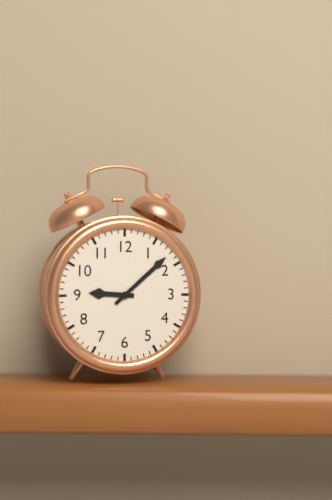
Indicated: 9,08
